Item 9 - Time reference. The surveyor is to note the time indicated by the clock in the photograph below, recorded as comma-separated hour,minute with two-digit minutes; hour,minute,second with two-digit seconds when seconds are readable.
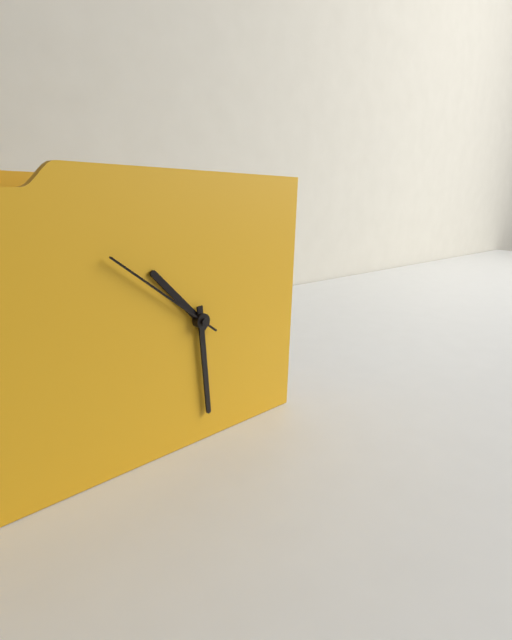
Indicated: 10,29,51
